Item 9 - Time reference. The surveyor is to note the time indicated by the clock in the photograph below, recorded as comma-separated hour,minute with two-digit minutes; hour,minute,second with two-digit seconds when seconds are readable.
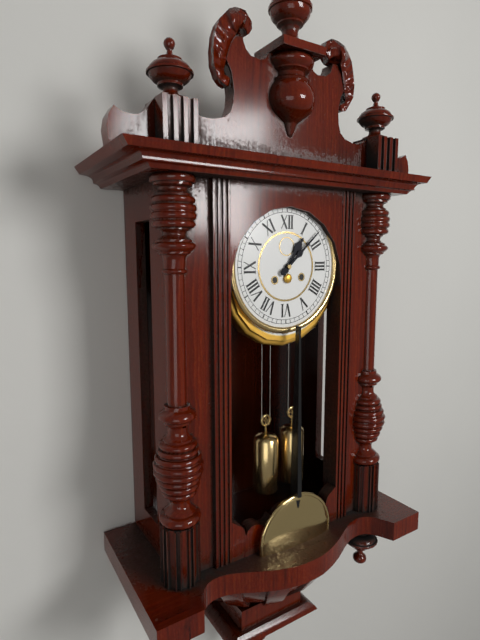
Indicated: 1,08
